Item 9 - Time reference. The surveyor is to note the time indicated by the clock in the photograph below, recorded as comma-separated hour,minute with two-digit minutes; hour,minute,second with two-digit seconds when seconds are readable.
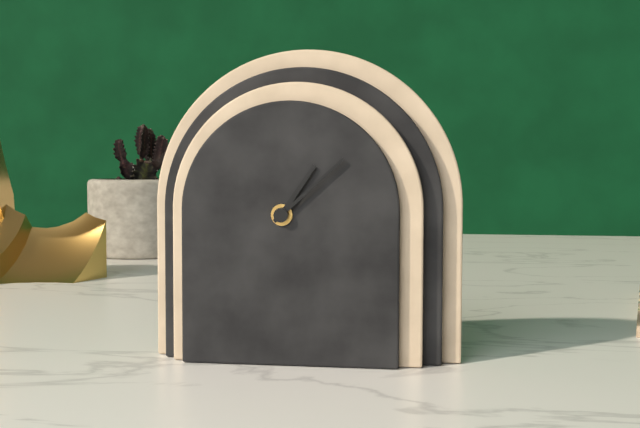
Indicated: 1,08
